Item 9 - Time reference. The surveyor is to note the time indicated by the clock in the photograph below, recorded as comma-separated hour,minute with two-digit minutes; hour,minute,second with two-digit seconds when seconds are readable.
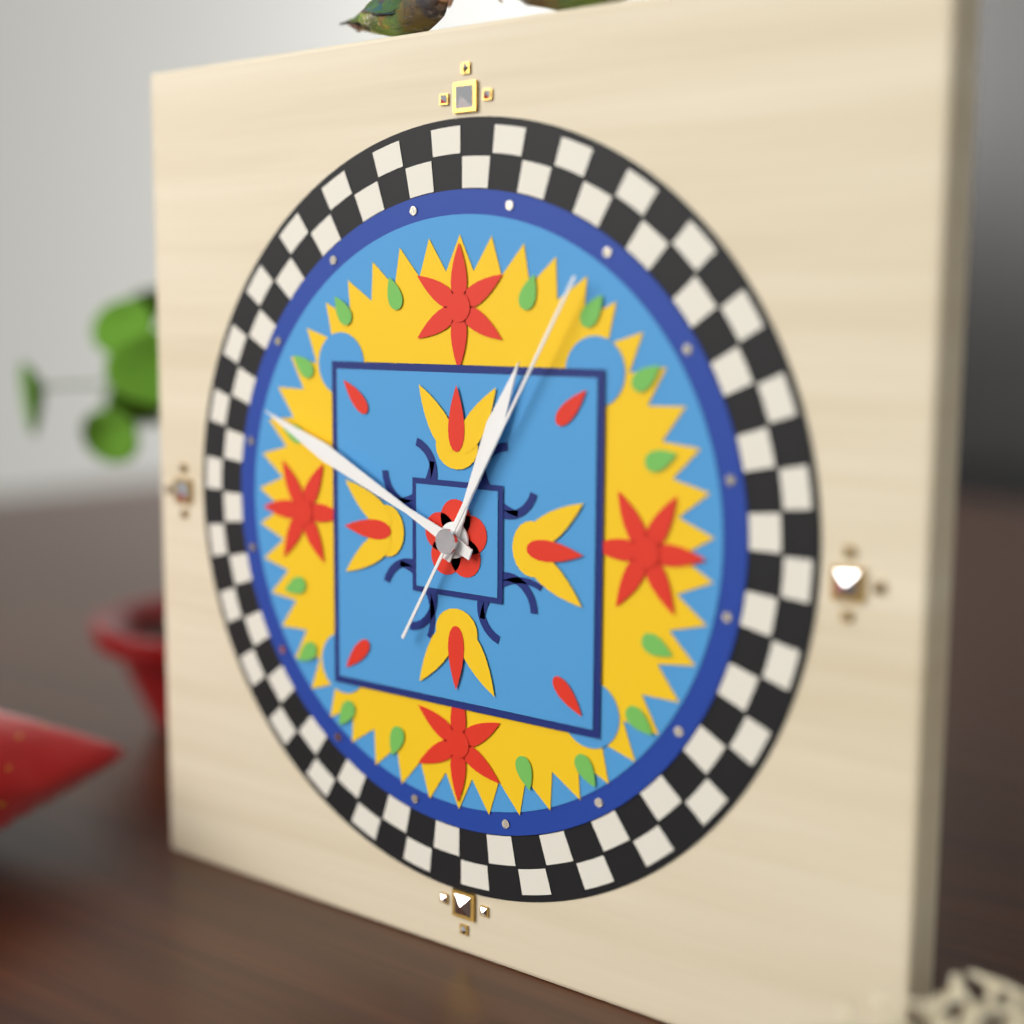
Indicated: 12,49,05
